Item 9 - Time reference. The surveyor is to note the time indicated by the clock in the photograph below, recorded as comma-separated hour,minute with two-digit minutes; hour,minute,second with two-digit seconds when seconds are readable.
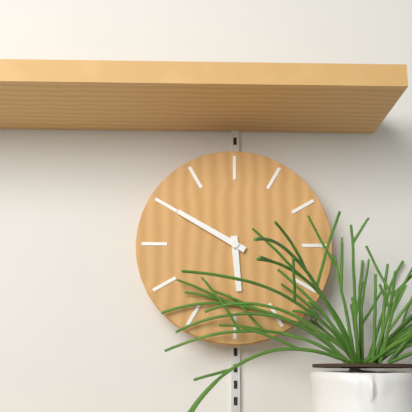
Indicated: 5,50
